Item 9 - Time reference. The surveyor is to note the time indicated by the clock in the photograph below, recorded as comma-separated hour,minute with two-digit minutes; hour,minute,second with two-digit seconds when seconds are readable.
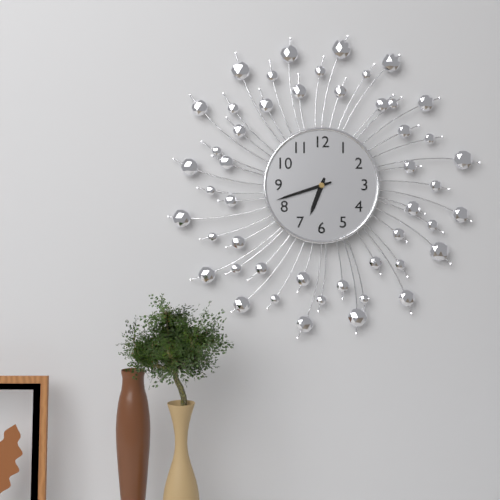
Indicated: 6,42
